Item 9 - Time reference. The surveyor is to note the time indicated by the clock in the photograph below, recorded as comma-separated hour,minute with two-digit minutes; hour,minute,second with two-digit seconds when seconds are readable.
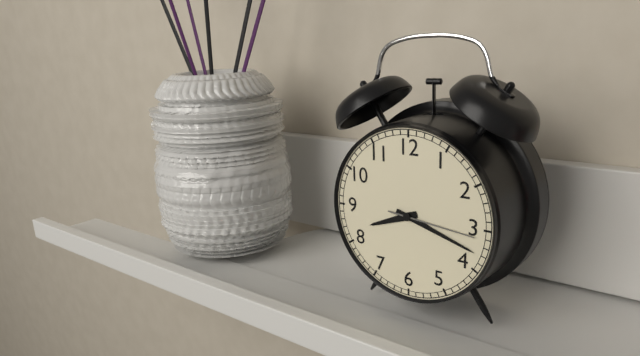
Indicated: 8,18,16
